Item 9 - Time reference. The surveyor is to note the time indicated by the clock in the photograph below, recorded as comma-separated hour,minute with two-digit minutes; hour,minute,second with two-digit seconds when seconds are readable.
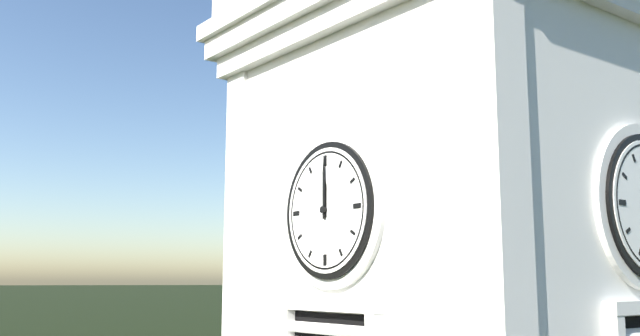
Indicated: 12,00
